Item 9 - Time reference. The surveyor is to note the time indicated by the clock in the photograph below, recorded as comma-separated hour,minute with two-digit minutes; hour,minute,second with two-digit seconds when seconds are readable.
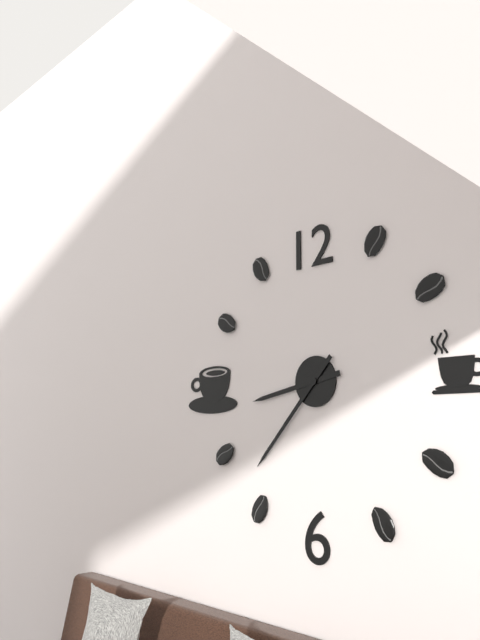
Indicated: 8,37
